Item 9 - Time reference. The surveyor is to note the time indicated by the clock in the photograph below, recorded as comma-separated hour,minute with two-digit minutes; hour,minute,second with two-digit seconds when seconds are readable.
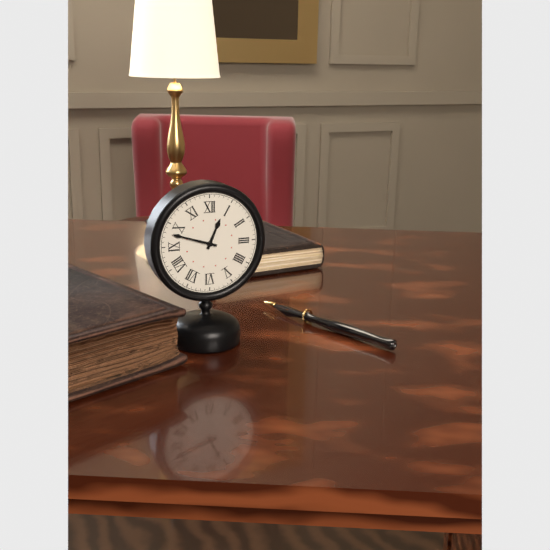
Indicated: 12,48
